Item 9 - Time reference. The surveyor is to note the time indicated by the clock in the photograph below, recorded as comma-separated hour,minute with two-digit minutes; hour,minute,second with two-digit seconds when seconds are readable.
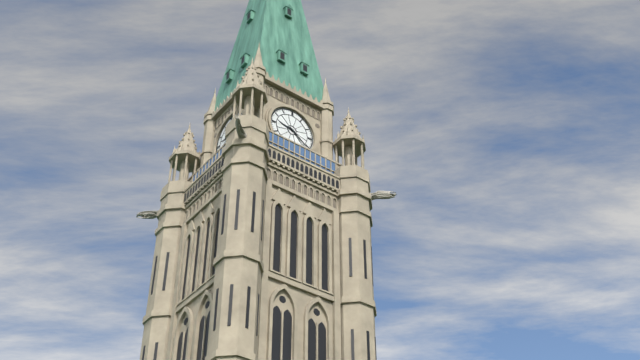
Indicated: 9,21
